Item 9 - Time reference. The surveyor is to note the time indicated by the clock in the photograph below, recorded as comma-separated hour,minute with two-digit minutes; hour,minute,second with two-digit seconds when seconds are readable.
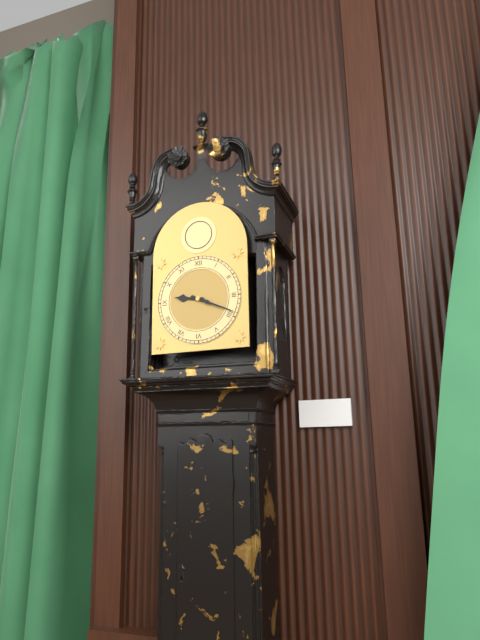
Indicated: 9,19
